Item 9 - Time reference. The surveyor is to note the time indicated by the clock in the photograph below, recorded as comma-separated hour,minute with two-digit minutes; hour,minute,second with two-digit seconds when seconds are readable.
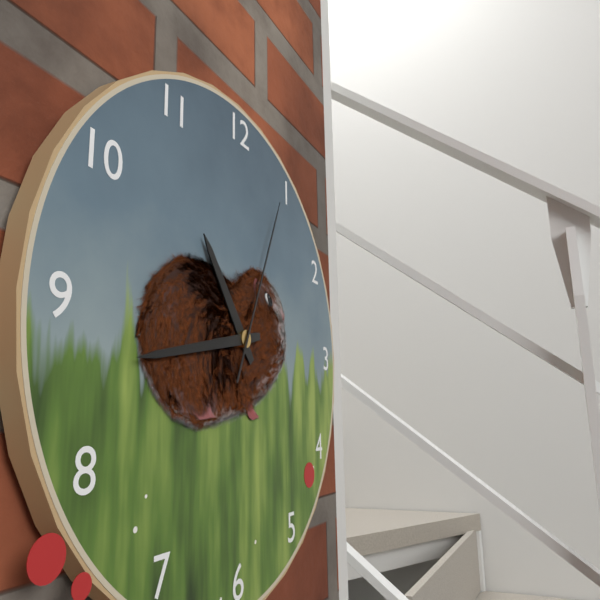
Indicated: 10,43,04
